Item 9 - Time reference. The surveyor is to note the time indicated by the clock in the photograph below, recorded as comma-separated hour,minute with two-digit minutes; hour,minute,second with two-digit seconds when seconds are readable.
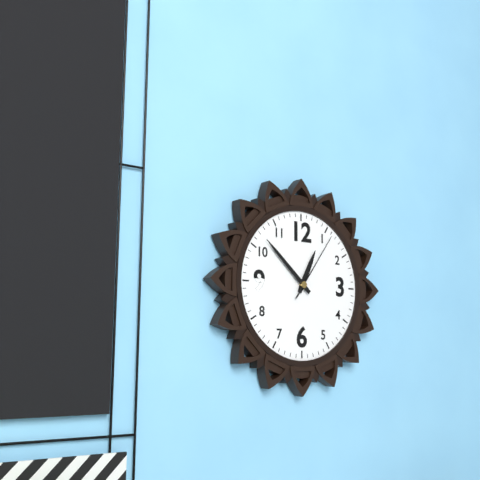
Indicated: 12,52,06
